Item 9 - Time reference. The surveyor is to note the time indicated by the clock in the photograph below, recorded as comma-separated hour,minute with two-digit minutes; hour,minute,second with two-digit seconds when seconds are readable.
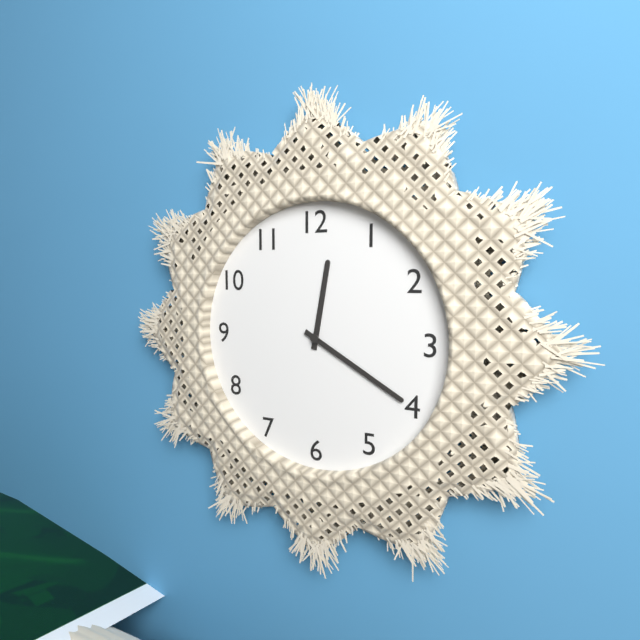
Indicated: 12,20
